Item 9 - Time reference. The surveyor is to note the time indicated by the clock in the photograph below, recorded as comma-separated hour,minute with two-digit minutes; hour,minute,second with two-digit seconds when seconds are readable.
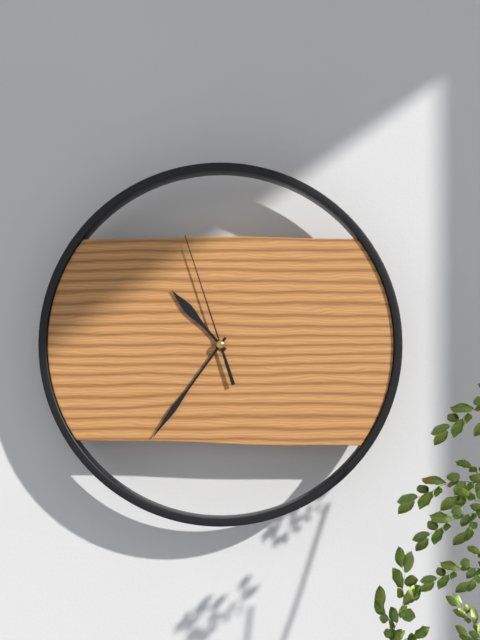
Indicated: 10,36,57
